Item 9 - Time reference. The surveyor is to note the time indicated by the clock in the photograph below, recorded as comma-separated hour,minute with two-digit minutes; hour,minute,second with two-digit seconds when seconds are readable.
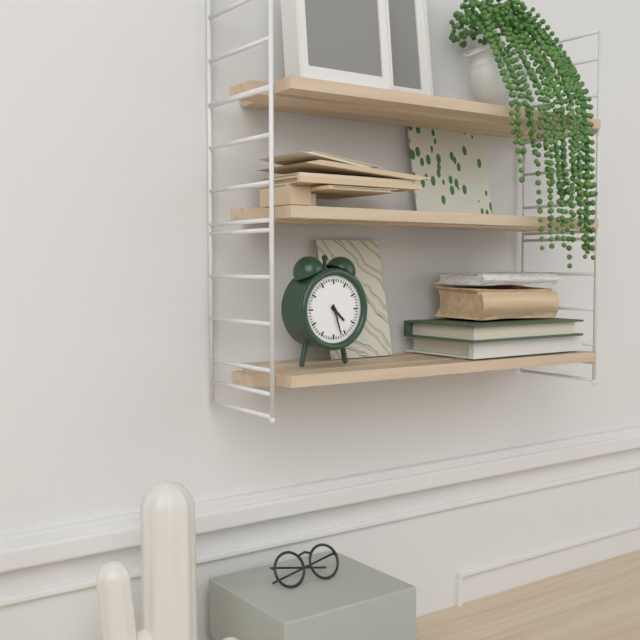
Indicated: 4,27
